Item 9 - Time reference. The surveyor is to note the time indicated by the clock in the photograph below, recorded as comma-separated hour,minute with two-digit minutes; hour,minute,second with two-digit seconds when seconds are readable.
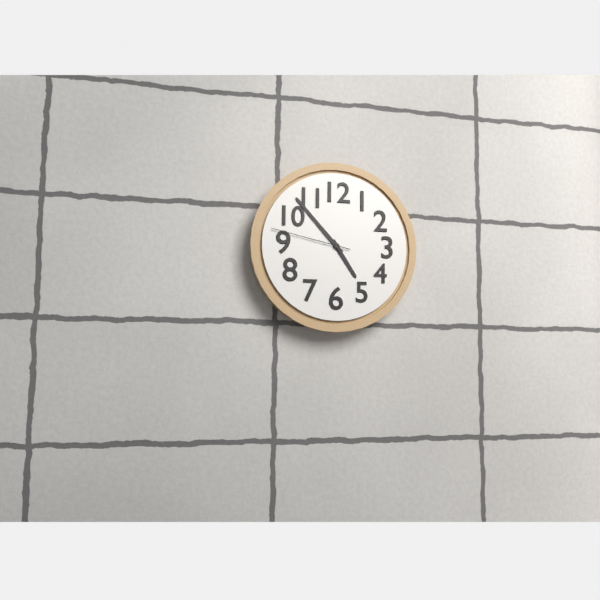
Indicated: 4,53,47
